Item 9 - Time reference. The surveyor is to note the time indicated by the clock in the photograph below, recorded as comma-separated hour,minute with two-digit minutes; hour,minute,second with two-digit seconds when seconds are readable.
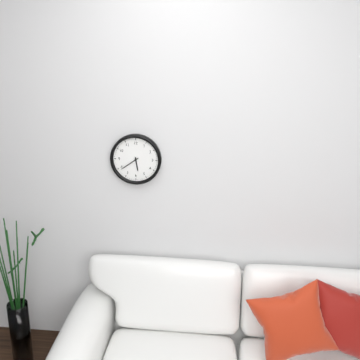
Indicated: 5,39
